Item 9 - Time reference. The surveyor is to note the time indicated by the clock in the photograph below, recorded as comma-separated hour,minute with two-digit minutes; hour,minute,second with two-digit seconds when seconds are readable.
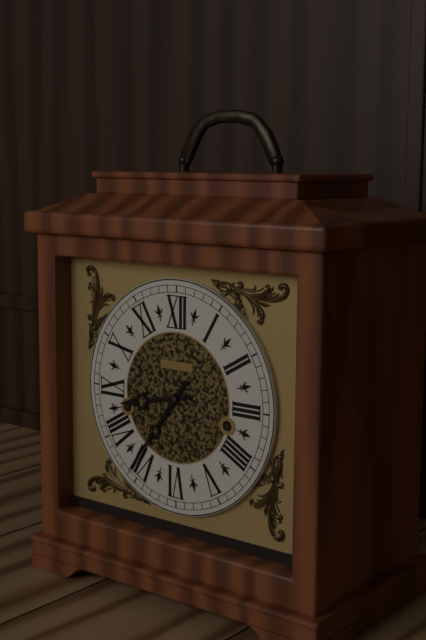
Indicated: 8,36
